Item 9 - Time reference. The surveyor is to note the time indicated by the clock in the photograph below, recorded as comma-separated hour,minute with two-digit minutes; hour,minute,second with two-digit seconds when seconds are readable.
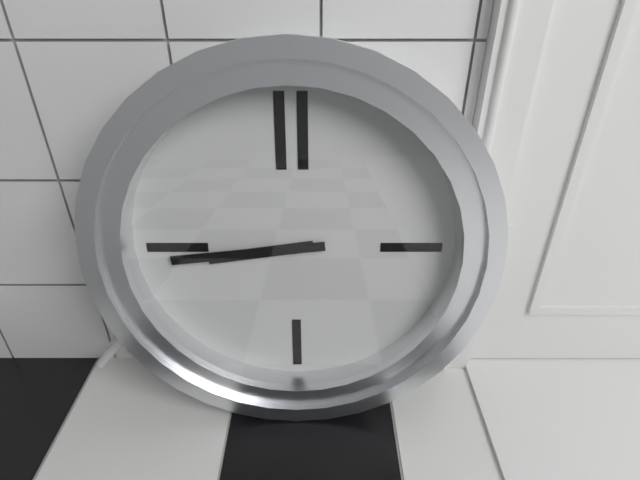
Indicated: 8,44
